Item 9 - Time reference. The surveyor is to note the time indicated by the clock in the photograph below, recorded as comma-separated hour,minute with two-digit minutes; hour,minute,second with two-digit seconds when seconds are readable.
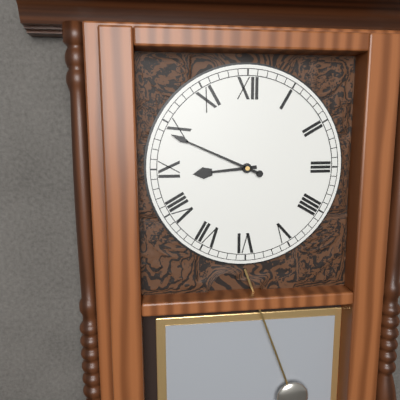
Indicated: 8,49
